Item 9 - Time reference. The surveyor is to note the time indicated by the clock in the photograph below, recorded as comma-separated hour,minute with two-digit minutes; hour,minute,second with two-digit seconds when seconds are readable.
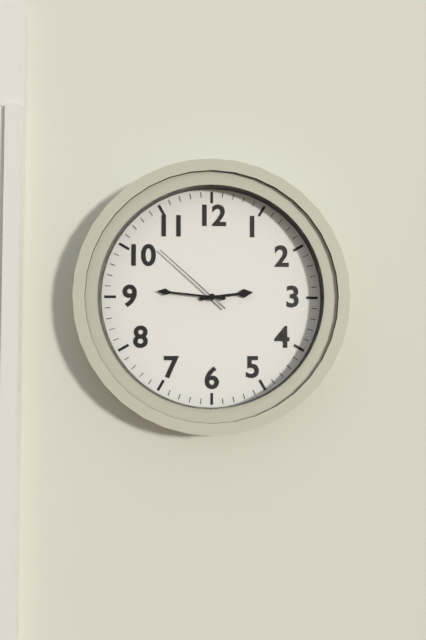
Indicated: 2,46,52
